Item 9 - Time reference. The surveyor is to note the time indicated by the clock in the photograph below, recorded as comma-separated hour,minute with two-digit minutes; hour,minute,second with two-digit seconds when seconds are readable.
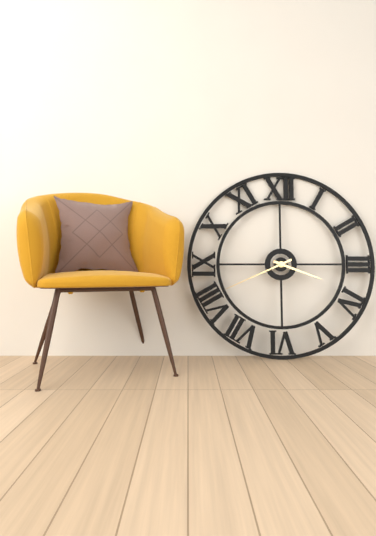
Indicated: 3,41
